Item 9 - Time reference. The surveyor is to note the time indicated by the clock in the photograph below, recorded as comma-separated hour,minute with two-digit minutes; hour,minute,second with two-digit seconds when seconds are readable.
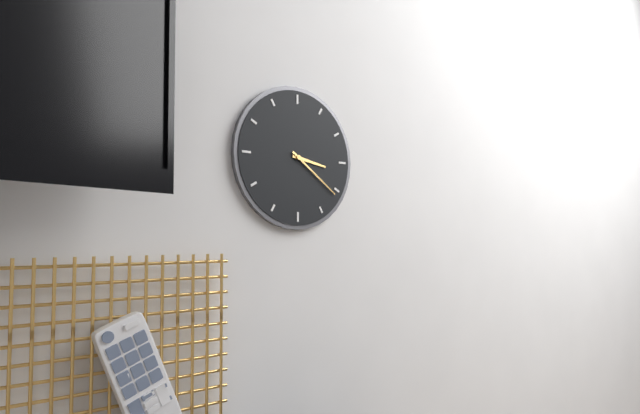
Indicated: 3,21
